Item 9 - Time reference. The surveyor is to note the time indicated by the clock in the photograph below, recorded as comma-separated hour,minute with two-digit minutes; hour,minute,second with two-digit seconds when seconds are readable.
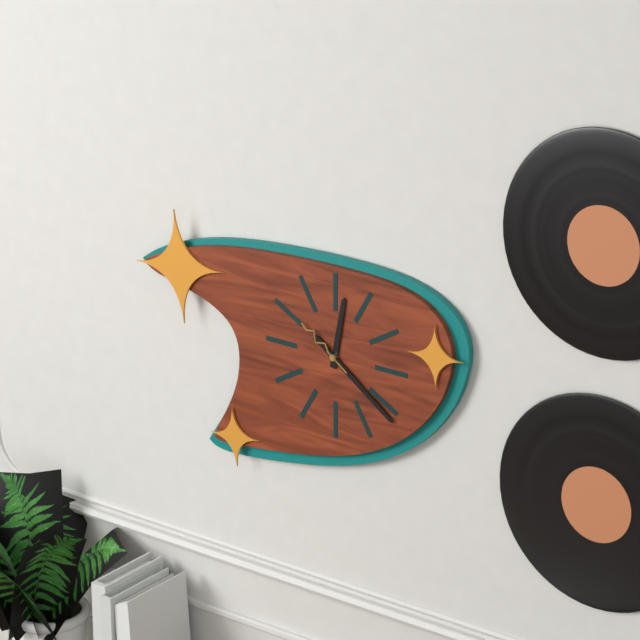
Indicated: 12,21,51
